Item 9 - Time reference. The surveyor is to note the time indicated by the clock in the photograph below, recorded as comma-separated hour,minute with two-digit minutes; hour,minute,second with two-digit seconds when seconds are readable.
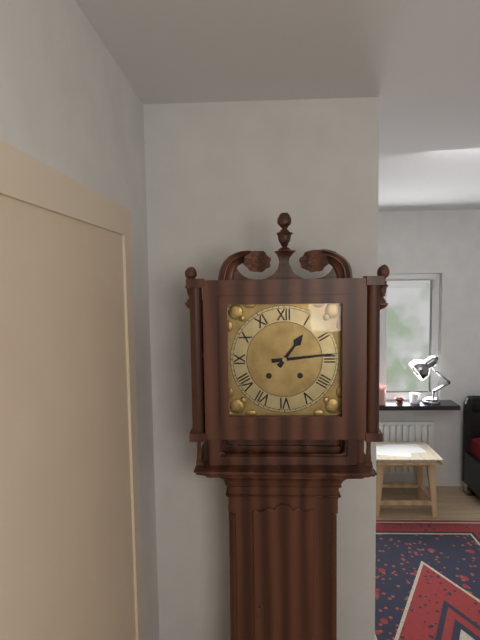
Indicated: 1,14
